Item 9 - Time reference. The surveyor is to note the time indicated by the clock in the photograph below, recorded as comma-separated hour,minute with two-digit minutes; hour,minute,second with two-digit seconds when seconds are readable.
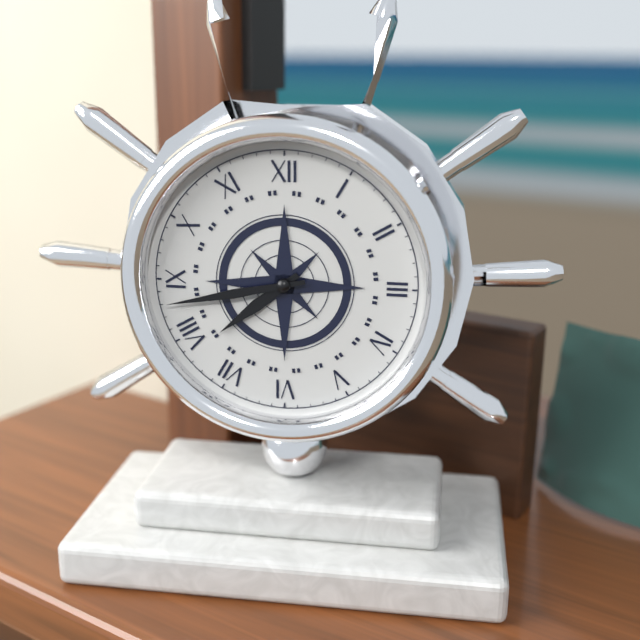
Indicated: 7,43
